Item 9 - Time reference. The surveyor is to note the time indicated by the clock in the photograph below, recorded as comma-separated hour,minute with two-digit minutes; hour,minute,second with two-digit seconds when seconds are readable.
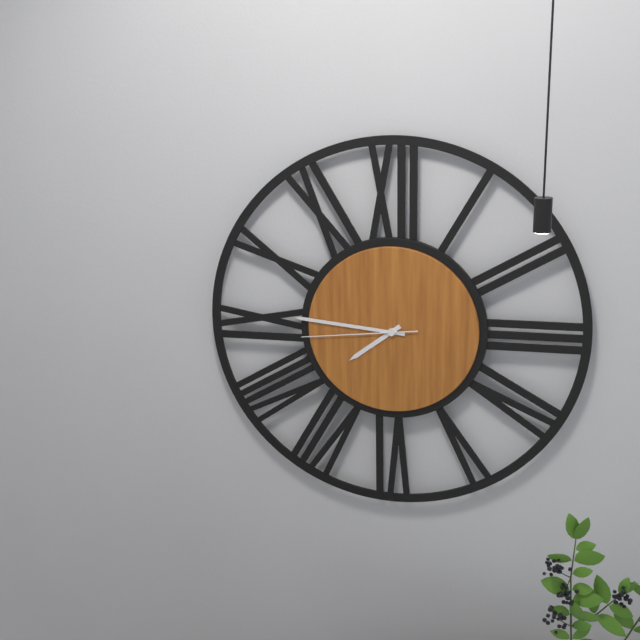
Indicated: 7,46,44
